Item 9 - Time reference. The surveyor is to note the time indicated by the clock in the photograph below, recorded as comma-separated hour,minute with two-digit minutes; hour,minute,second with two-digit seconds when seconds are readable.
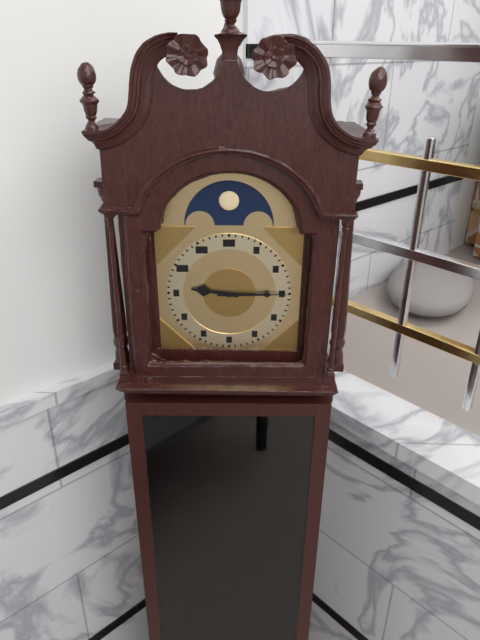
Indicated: 9,15
